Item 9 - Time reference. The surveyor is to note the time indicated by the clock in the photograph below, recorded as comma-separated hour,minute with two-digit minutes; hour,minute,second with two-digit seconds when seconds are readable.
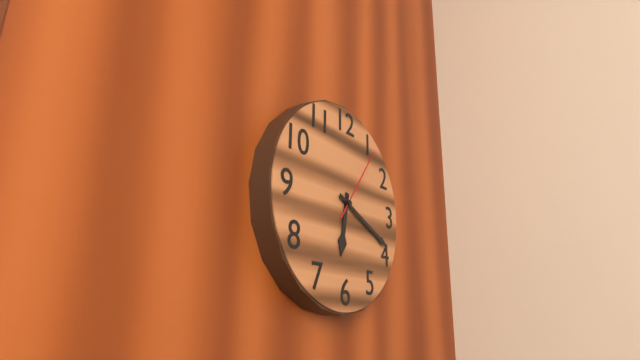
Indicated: 6,19,06
